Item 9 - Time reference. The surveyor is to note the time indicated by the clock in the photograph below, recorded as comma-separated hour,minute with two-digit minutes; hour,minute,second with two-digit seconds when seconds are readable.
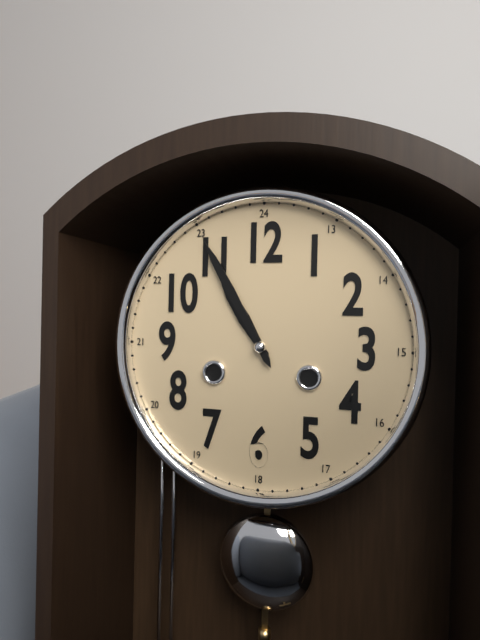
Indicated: 10,55
